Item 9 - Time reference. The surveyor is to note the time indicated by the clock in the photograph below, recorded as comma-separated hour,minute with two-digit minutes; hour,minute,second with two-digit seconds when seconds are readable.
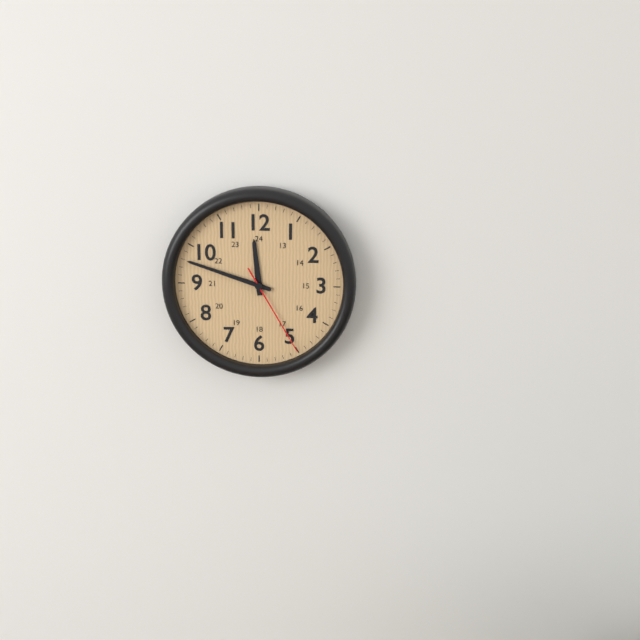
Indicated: 11,48,25
